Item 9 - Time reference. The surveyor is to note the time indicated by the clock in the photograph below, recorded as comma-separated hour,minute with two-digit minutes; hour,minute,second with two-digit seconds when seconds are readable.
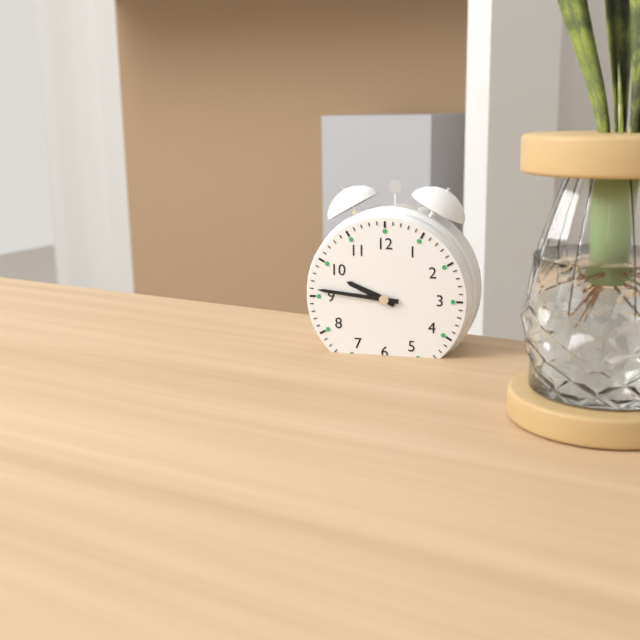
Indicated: 9,46
